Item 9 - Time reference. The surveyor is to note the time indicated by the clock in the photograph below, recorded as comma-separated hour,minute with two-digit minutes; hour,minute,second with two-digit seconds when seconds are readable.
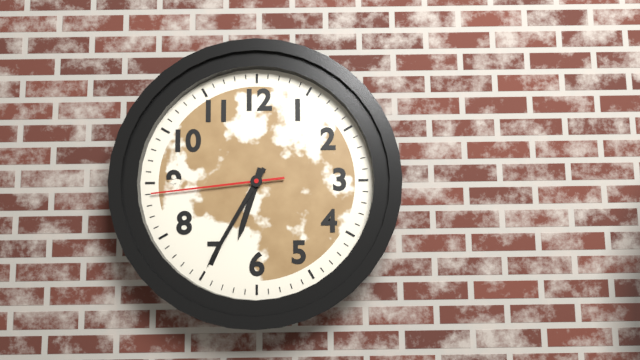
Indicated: 6,35,44
